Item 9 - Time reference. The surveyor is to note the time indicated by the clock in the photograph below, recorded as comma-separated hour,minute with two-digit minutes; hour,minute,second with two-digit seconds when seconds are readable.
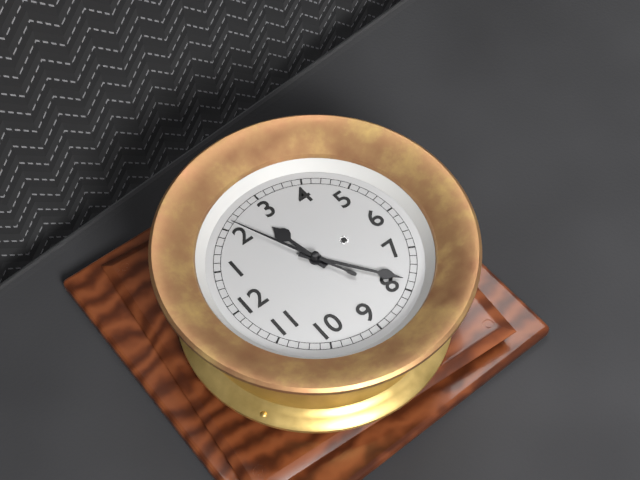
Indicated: 2,39,11
